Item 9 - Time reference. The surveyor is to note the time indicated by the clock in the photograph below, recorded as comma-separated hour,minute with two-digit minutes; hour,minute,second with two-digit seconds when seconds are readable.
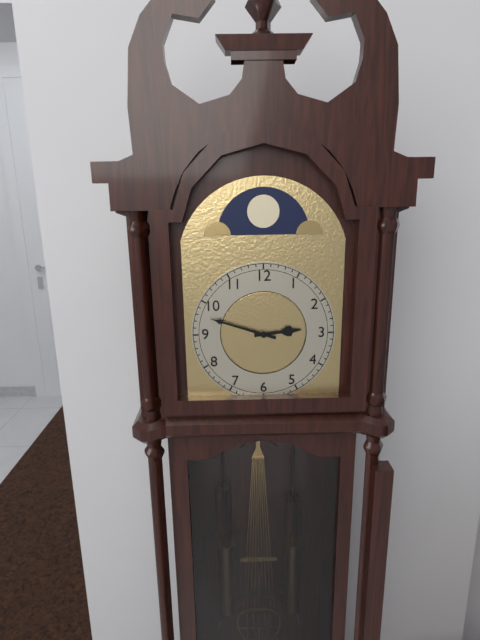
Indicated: 2,48
